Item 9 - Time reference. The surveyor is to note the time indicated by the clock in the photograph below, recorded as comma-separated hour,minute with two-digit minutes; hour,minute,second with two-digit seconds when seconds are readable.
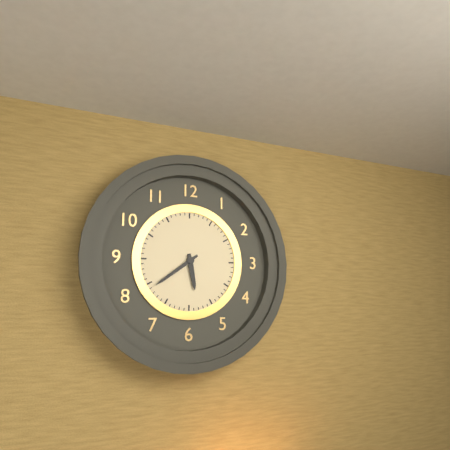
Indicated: 5,39
